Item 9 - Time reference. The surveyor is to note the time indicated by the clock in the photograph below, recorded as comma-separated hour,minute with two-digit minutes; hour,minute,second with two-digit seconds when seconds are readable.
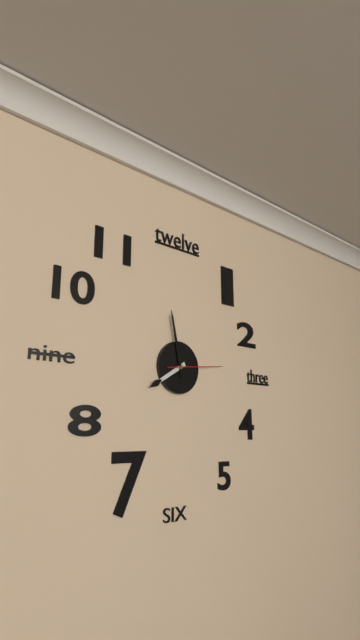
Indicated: 7,58,14
